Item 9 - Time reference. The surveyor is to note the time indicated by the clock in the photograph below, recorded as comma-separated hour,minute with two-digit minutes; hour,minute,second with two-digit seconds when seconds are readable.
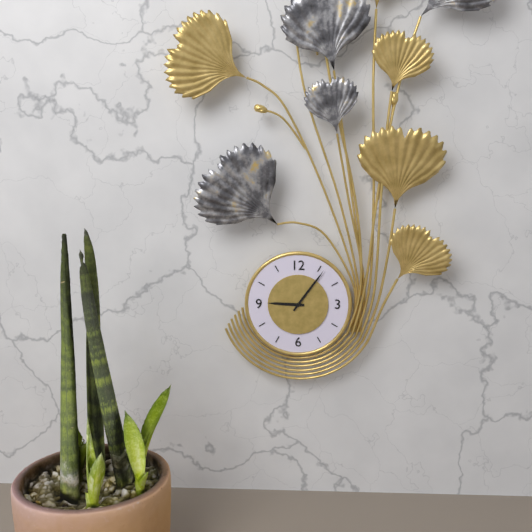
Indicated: 9,06
